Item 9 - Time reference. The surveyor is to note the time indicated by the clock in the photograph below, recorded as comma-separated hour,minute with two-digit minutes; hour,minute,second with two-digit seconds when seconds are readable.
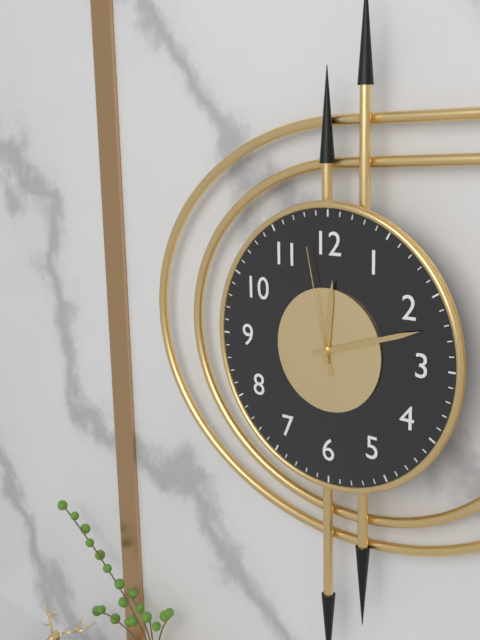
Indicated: 12,12,58
